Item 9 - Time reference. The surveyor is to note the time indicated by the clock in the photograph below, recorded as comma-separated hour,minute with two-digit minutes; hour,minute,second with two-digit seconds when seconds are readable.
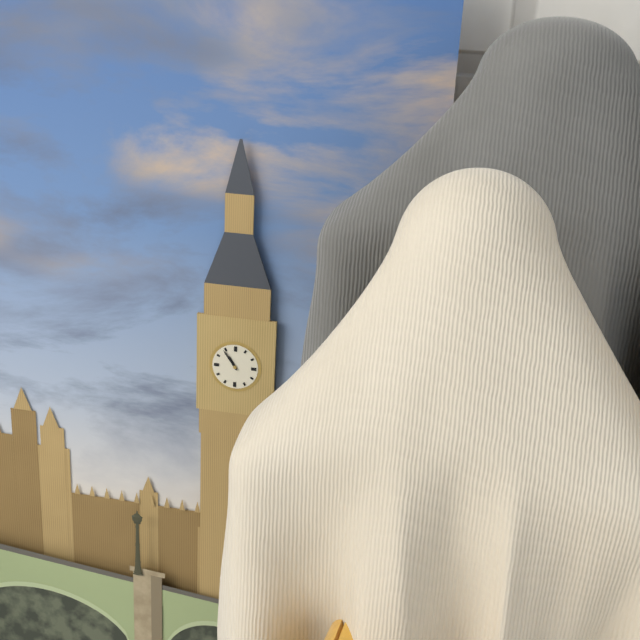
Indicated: 10,54
